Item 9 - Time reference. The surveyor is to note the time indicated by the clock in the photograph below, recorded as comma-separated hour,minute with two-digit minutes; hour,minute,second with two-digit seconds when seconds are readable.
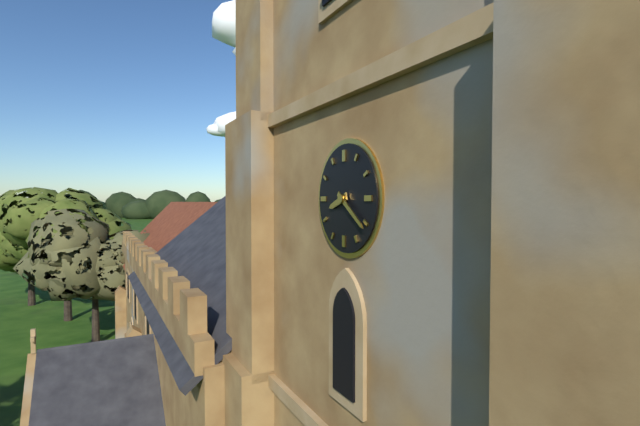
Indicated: 8,21
